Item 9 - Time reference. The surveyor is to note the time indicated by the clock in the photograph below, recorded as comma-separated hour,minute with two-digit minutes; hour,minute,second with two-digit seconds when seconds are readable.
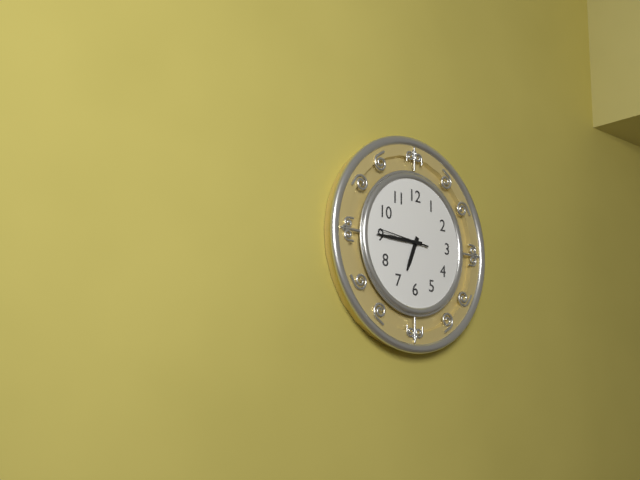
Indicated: 6,45
